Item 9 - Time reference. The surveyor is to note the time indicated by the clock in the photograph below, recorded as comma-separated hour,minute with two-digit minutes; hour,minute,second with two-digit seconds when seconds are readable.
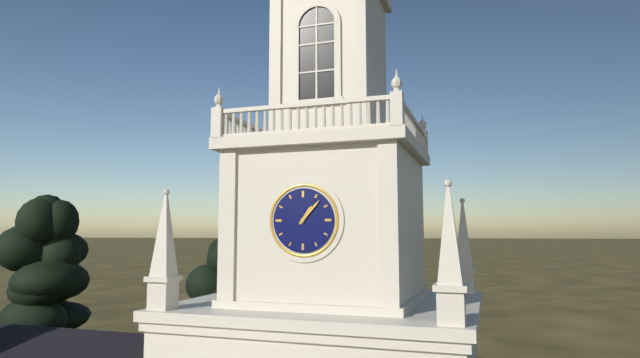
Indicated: 1,07
